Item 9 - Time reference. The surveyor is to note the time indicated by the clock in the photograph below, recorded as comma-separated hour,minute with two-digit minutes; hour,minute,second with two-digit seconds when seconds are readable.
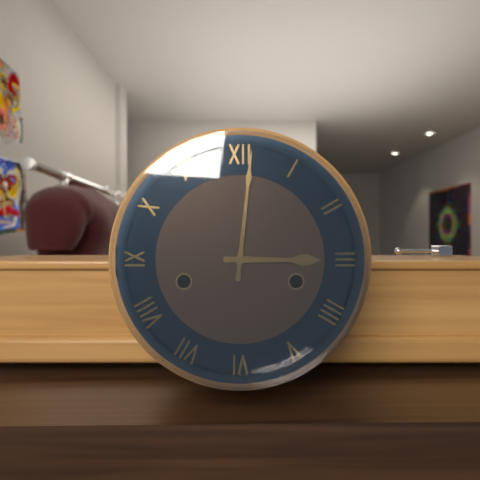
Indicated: 3,01
